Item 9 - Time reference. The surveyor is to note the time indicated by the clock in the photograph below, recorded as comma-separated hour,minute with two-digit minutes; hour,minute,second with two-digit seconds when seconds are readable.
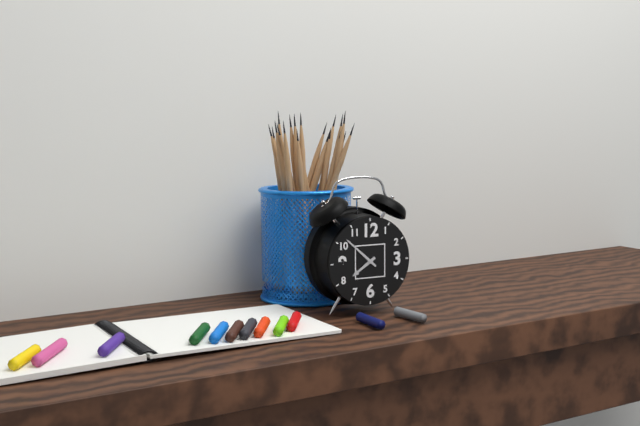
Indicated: 7,52
